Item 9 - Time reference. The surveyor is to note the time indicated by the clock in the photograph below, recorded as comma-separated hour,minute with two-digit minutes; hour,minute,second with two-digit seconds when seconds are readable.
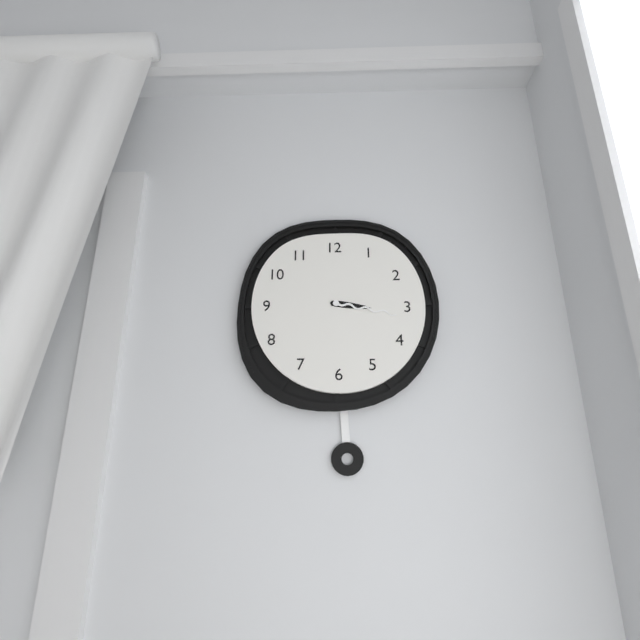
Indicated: 3,17
